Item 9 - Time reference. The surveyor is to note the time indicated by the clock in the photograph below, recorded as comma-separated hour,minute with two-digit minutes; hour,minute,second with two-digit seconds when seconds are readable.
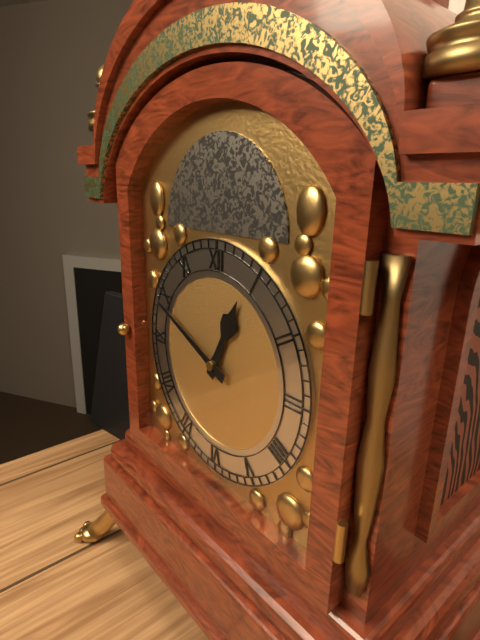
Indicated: 12,49
